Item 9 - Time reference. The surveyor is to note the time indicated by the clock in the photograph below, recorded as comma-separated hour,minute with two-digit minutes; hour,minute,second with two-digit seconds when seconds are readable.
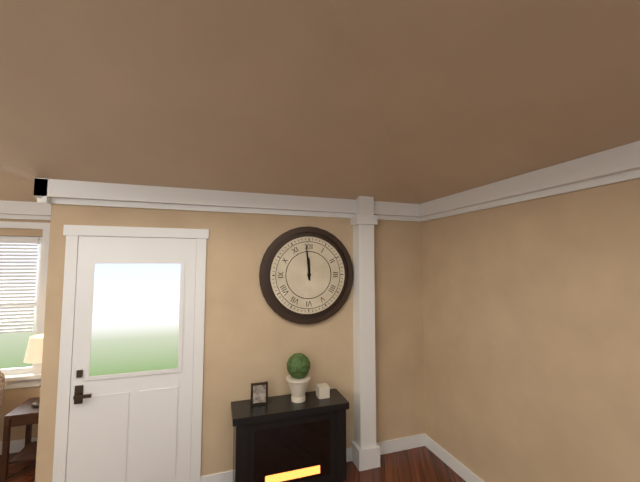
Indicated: 11,59
